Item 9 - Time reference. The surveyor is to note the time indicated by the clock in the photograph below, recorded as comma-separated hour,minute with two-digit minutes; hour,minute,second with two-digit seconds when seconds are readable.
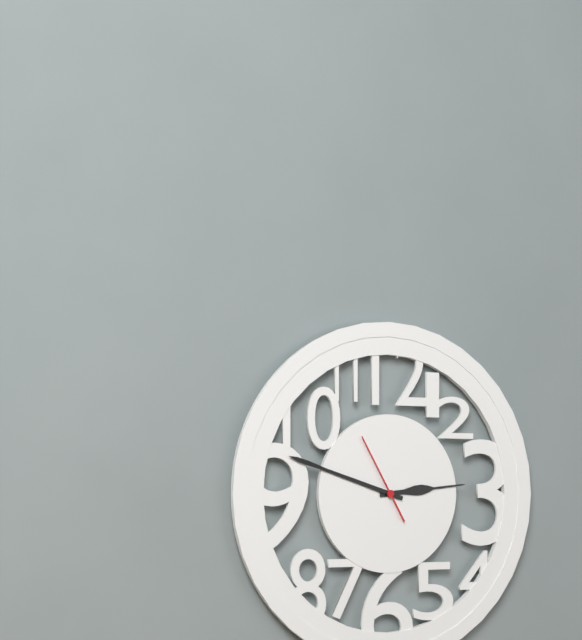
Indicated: 2,48,55
